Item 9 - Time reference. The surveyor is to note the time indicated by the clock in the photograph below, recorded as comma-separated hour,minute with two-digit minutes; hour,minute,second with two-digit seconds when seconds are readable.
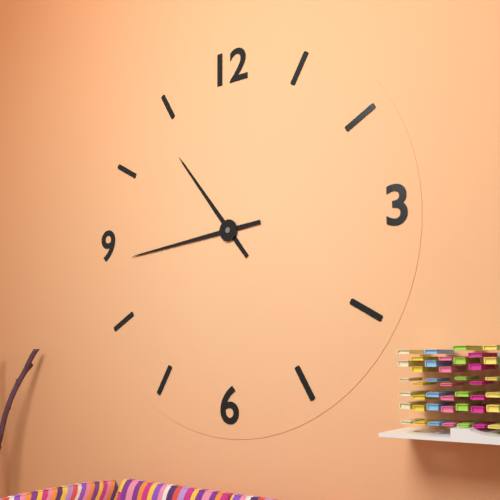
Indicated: 10,44
